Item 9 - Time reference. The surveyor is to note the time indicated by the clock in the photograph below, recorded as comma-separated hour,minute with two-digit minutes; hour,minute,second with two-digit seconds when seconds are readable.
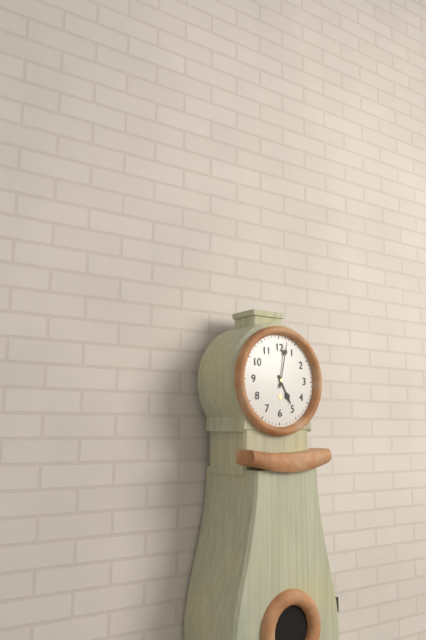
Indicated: 5,02
